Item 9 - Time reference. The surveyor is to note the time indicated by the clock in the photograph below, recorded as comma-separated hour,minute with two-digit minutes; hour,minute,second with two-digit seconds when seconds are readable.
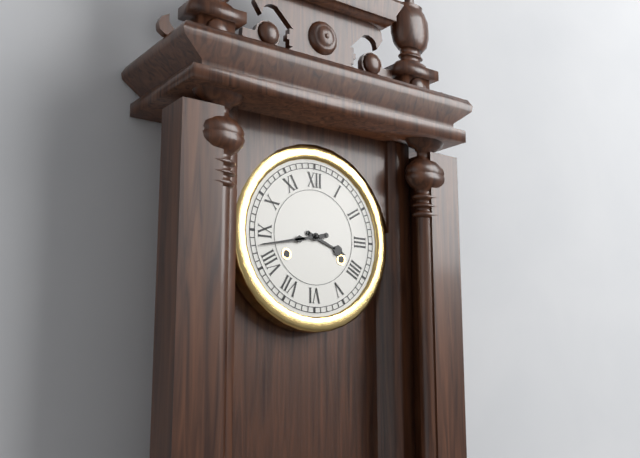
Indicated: 3,43
